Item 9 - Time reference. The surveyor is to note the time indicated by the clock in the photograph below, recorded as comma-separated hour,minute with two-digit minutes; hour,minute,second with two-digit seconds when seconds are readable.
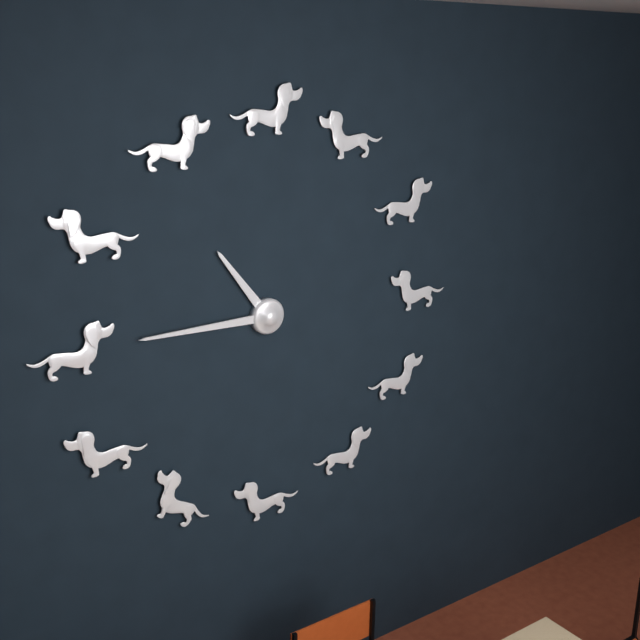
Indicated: 10,45
